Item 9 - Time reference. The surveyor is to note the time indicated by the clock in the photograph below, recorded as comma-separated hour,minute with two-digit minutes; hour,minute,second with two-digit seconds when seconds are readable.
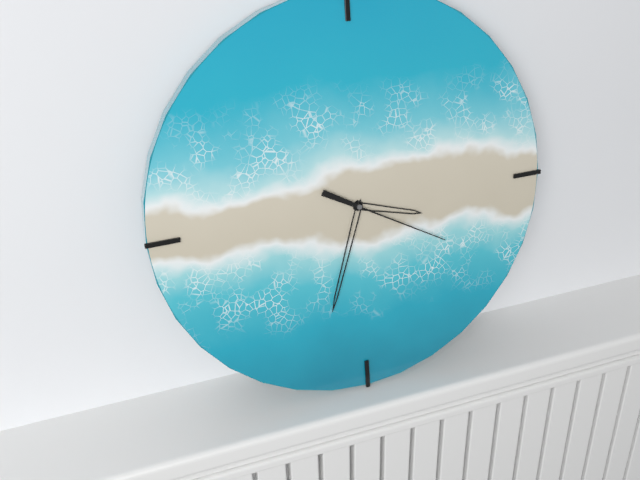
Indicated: 3,33,20
